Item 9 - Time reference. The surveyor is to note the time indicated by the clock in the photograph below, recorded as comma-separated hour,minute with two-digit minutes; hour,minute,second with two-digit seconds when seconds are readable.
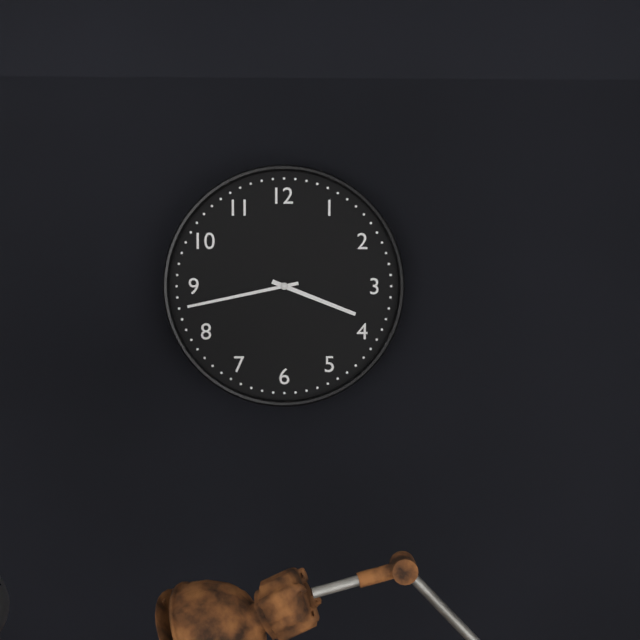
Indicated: 3,43
